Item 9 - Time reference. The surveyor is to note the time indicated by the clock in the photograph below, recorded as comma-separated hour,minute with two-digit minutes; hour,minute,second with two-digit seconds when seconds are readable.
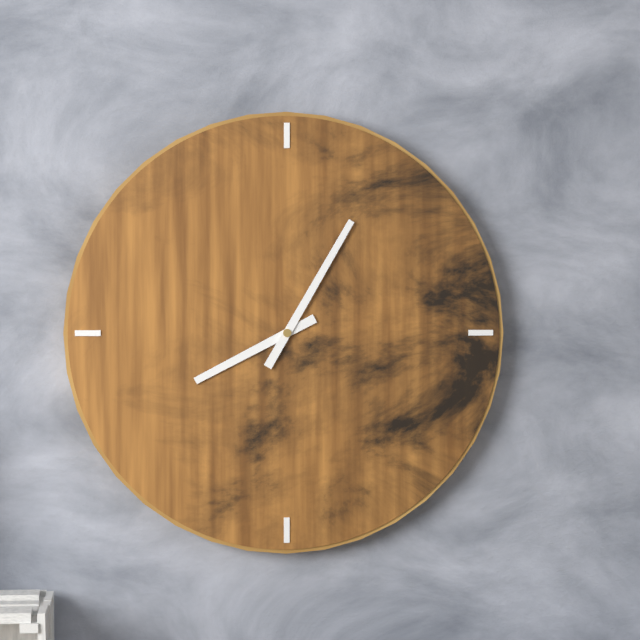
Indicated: 8,05
